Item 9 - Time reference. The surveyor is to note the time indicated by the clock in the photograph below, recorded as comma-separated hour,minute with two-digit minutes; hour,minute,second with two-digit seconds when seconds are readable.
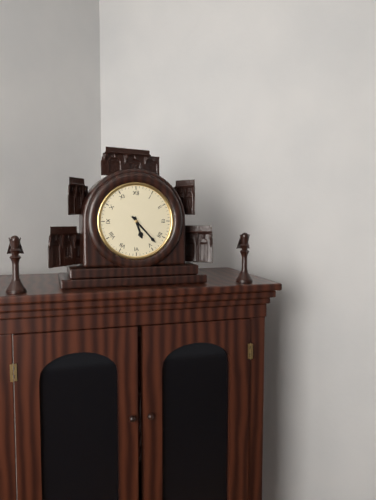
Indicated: 5,23
